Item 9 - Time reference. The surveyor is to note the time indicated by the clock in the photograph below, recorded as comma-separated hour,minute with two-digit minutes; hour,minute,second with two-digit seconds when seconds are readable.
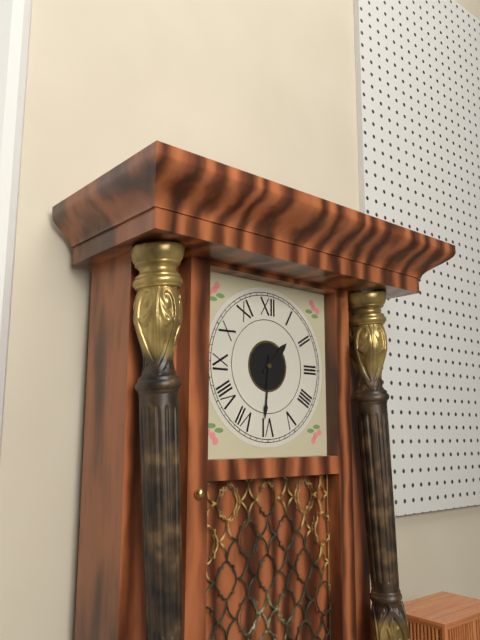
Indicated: 1,31
